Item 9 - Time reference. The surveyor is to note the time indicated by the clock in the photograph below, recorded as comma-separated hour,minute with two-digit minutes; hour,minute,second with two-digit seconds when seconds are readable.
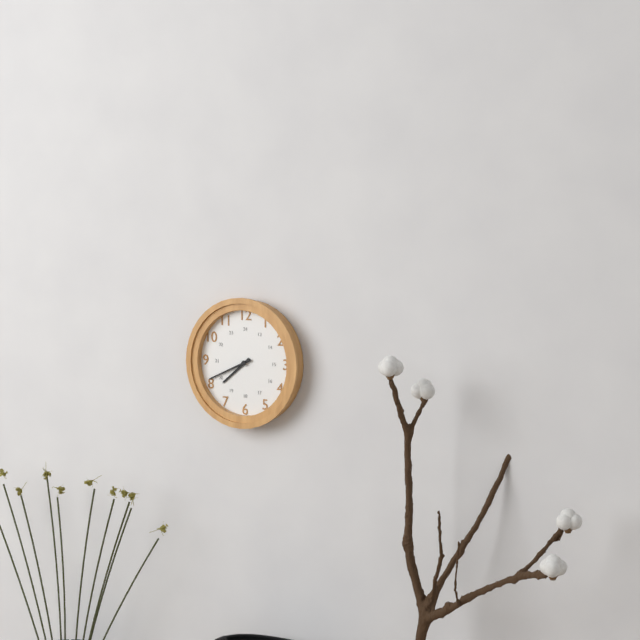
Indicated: 7,41
